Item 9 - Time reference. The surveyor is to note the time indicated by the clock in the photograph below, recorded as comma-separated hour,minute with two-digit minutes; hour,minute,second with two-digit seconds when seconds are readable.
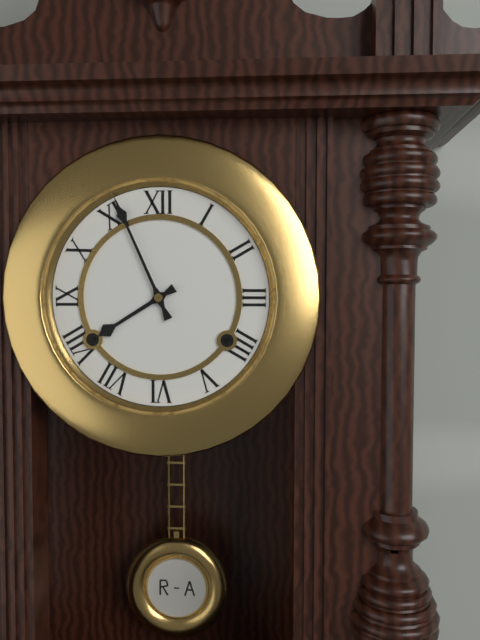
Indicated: 7,56
